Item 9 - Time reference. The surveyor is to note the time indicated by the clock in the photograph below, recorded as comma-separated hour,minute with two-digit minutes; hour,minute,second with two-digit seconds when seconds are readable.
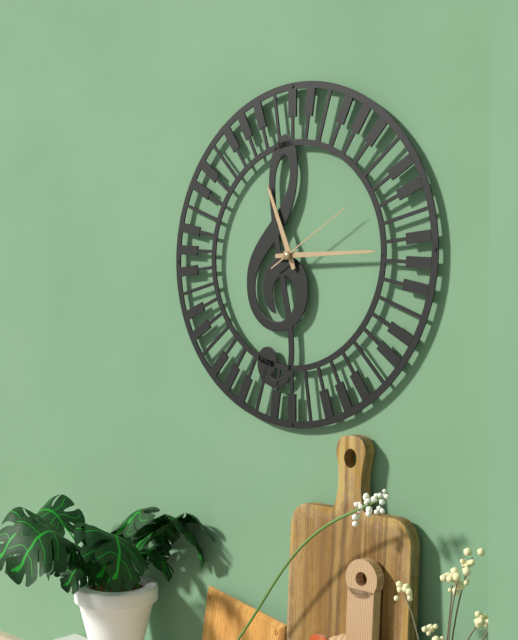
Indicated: 11,15,10
